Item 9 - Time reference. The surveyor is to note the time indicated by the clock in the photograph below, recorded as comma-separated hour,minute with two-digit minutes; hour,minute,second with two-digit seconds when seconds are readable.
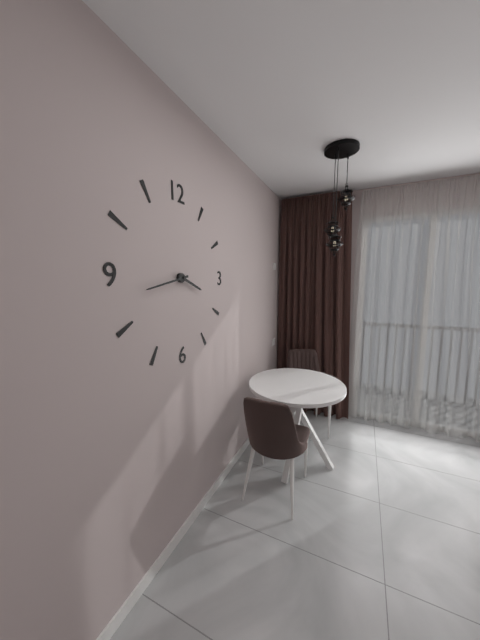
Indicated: 3,43
